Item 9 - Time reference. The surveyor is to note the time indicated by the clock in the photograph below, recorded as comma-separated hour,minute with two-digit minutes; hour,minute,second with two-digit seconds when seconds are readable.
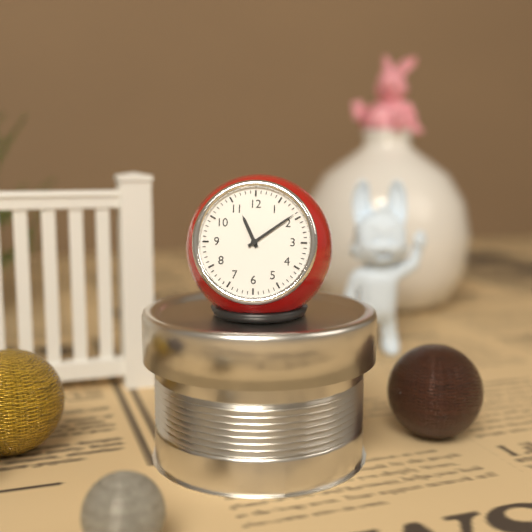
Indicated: 11,09
